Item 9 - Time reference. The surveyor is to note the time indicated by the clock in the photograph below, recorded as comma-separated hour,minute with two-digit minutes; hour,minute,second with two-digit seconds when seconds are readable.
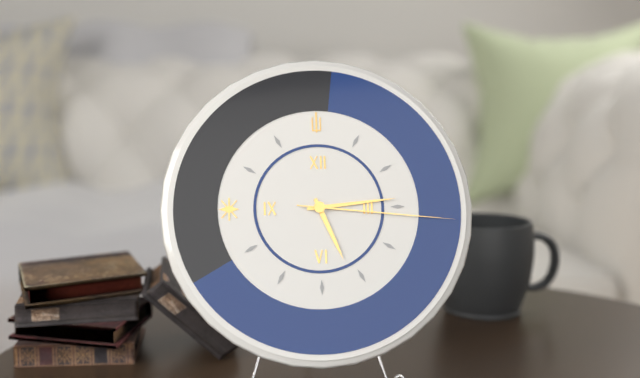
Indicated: 5,14,16
